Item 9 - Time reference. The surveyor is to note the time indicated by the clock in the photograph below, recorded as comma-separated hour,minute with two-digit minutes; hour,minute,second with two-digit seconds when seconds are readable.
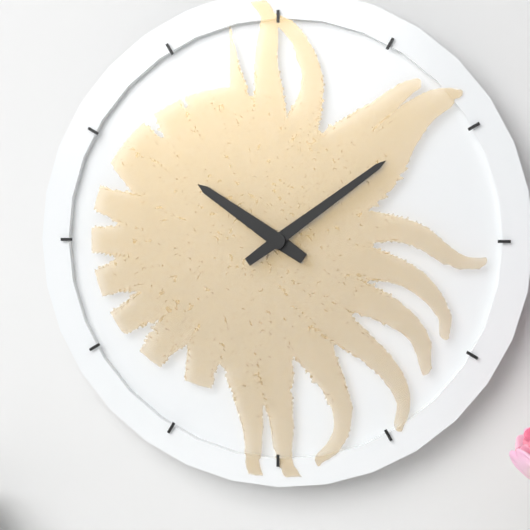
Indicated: 10,09
